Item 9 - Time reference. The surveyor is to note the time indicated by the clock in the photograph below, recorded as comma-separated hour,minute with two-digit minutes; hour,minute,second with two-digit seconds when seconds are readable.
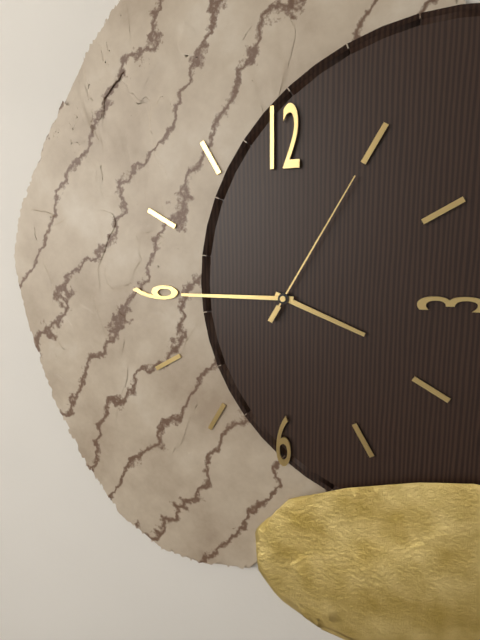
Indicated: 3,45,05
